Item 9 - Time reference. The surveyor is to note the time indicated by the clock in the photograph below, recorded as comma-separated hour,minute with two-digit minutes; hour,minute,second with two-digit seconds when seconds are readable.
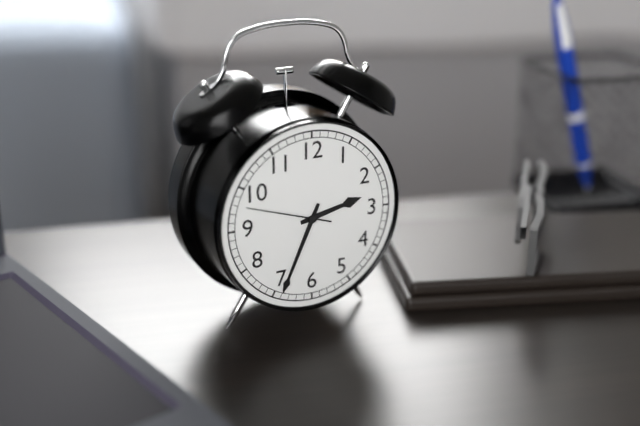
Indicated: 2,34,48
